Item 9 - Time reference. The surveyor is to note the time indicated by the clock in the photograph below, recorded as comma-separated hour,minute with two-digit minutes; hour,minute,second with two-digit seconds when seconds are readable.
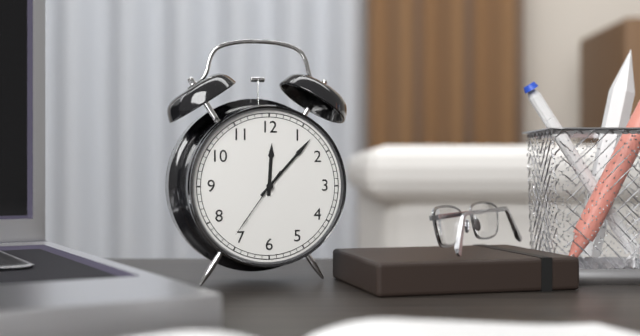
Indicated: 12,07,36
